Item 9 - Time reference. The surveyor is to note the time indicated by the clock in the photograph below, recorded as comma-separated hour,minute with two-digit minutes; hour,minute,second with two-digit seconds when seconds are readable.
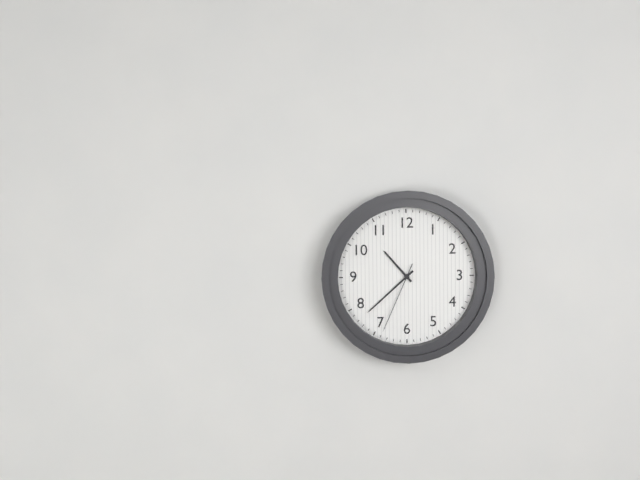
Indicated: 10,38,34
